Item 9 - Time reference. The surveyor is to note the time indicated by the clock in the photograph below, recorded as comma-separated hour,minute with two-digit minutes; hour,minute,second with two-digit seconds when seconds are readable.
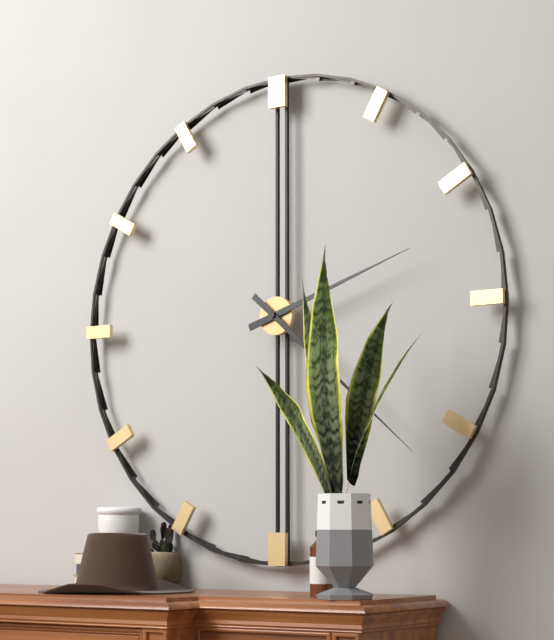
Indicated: 2,22
